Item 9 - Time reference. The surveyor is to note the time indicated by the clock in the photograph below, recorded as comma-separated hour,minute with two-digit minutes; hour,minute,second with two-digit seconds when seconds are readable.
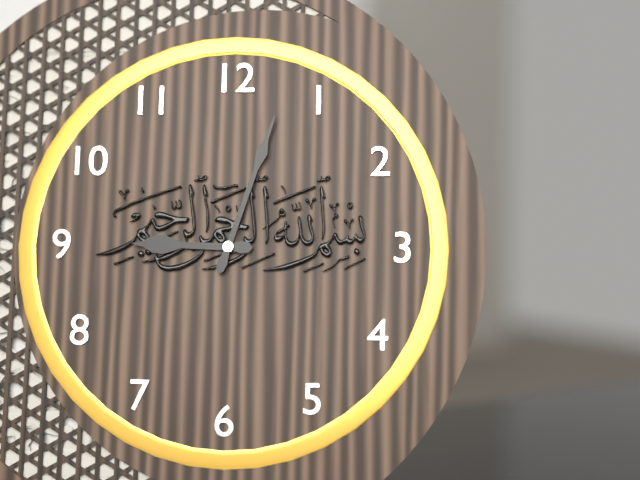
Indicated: 9,03
